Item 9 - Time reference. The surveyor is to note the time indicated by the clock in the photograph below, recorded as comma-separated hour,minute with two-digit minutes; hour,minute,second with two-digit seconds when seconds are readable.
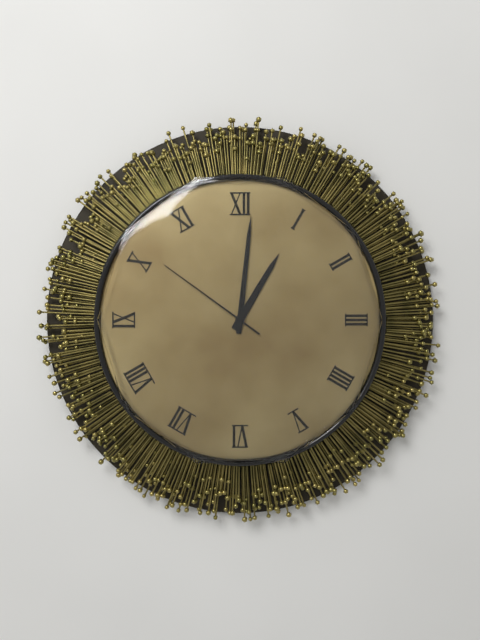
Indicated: 1,01,51
